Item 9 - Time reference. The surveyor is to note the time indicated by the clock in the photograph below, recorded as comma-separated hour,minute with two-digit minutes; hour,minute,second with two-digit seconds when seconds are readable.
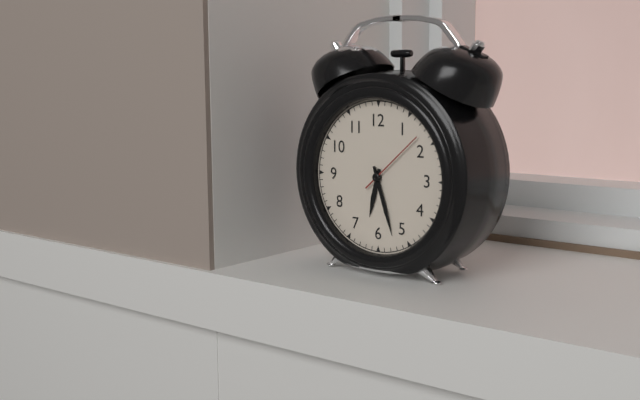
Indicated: 6,27,08
